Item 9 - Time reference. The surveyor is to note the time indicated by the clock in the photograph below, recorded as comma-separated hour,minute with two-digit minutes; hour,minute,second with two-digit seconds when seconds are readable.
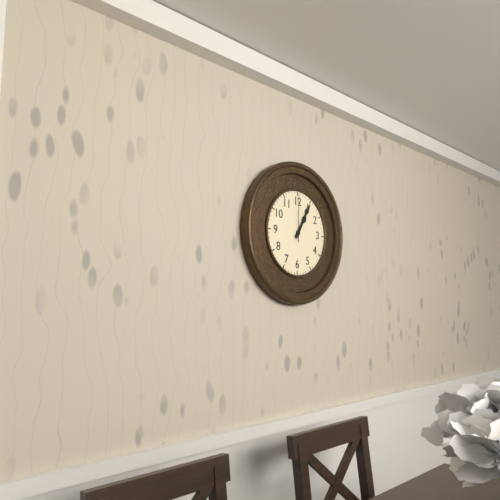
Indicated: 1,05
